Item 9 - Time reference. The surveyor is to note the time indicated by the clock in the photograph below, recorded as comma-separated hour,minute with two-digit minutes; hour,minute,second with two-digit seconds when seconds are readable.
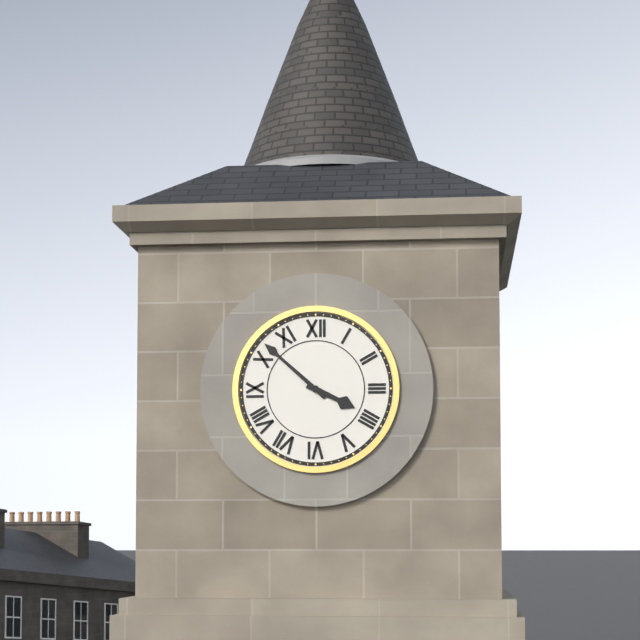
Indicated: 3,52
